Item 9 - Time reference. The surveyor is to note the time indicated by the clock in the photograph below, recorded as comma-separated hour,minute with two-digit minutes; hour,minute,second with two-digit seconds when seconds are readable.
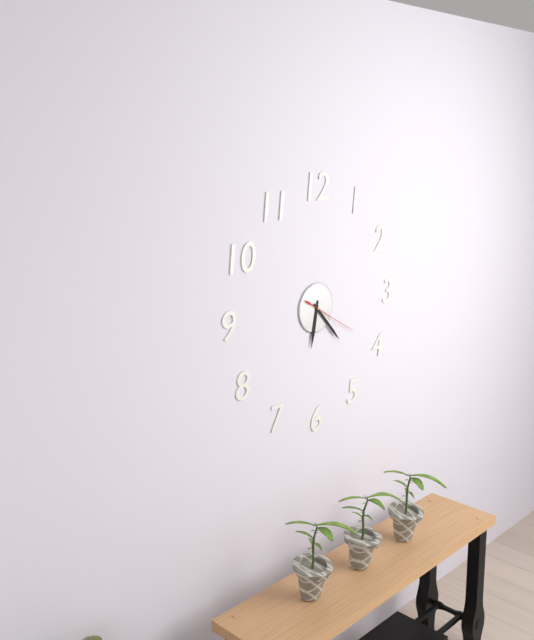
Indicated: 6,23,20
